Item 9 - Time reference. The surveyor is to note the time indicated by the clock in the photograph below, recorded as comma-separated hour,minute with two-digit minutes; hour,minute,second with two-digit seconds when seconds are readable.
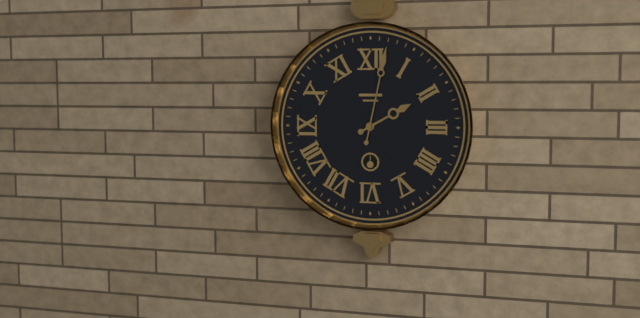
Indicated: 2,02
